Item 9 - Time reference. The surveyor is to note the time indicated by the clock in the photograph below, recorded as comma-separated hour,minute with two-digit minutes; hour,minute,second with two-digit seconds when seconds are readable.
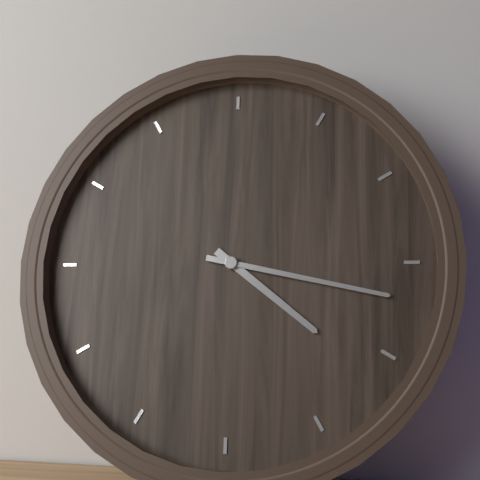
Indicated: 4,17
